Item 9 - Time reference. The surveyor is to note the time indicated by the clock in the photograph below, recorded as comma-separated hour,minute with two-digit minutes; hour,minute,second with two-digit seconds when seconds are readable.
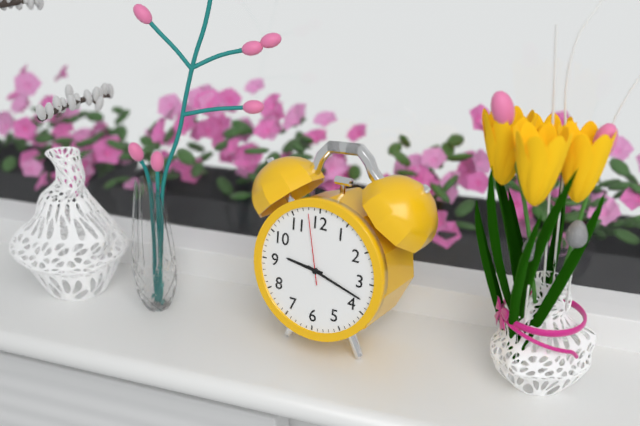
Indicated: 9,18,58
